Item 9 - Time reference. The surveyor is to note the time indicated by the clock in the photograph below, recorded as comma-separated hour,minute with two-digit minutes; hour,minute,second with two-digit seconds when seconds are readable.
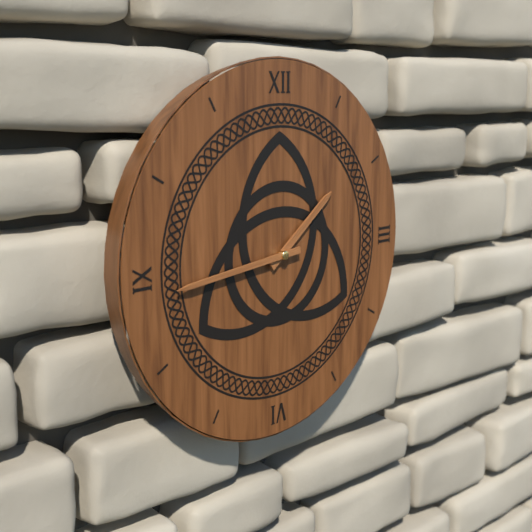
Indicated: 1,44
